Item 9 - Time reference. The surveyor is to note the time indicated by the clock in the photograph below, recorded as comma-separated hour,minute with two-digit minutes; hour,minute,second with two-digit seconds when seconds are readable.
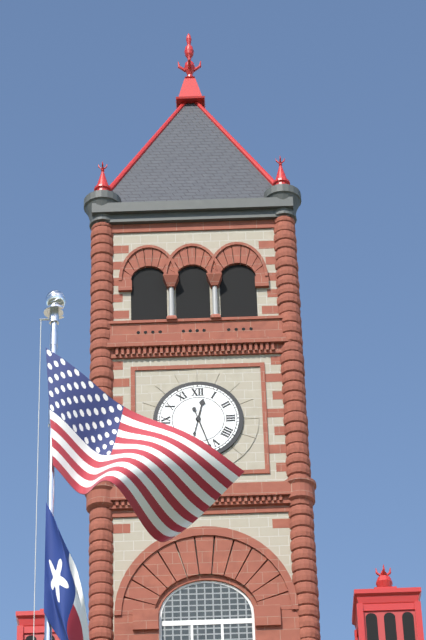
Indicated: 12,27
